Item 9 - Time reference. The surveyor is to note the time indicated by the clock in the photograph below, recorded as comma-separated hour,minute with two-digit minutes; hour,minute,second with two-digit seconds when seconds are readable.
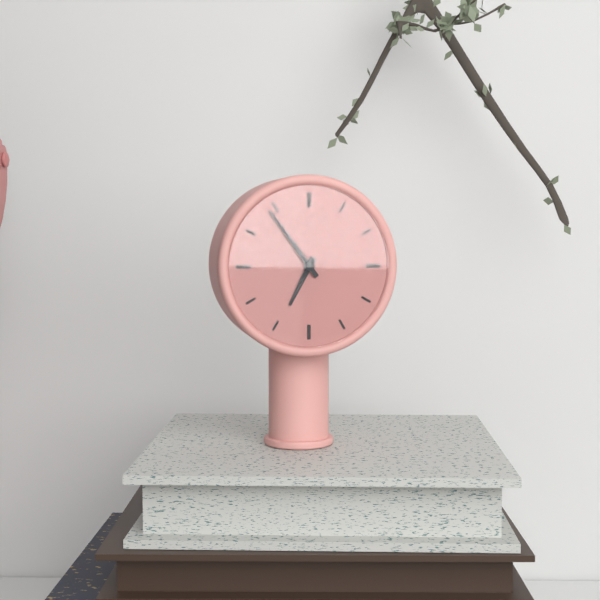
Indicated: 6,54
